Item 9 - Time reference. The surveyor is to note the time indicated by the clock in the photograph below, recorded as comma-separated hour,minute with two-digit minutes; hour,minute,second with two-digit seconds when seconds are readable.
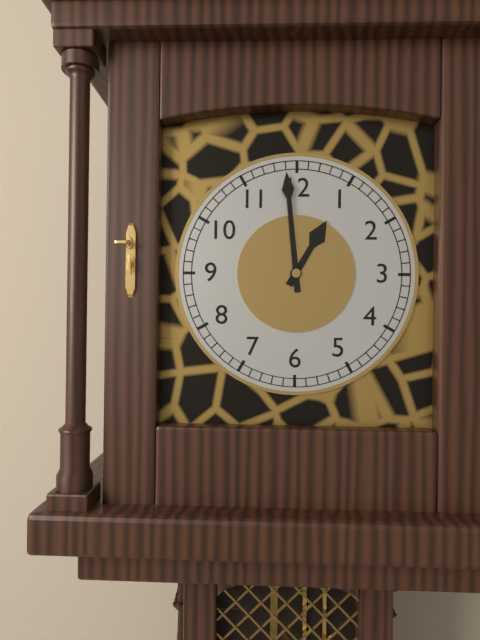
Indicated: 12,59
